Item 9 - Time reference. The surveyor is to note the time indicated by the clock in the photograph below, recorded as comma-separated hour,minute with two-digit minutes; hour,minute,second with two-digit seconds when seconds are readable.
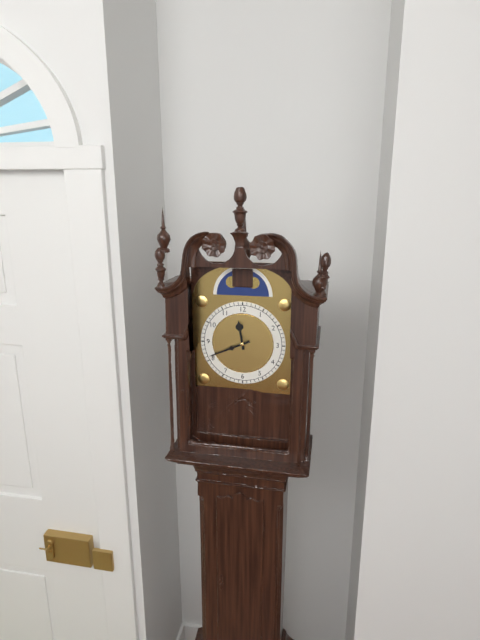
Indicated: 11,41
